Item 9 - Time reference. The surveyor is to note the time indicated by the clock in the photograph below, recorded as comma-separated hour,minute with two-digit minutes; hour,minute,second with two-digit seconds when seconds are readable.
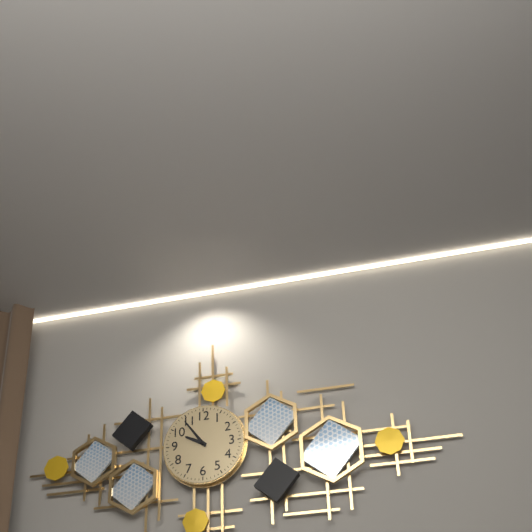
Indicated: 9,54
